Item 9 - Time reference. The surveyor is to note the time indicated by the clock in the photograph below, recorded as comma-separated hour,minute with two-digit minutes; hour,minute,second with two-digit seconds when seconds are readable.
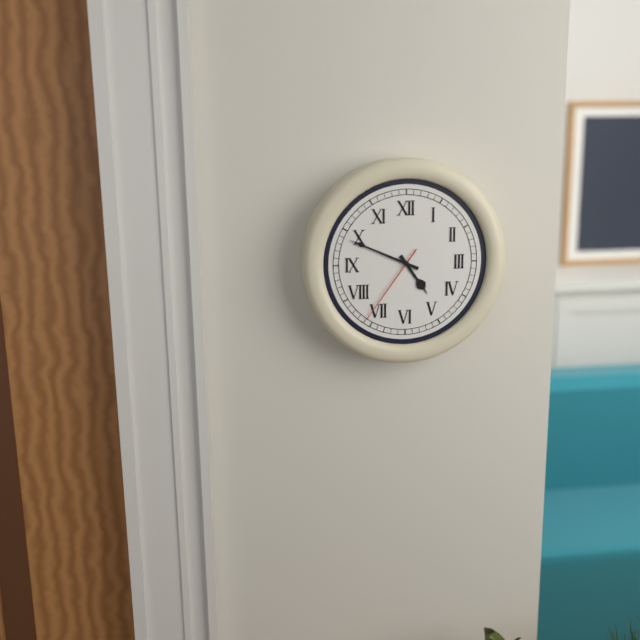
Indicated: 4,49,36
